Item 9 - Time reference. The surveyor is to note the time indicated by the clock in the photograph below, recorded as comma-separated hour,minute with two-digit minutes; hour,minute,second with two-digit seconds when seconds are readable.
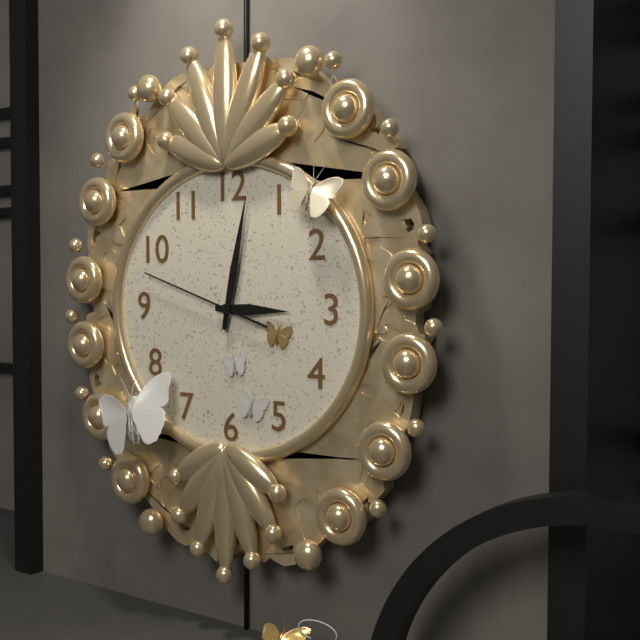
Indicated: 3,02,48
